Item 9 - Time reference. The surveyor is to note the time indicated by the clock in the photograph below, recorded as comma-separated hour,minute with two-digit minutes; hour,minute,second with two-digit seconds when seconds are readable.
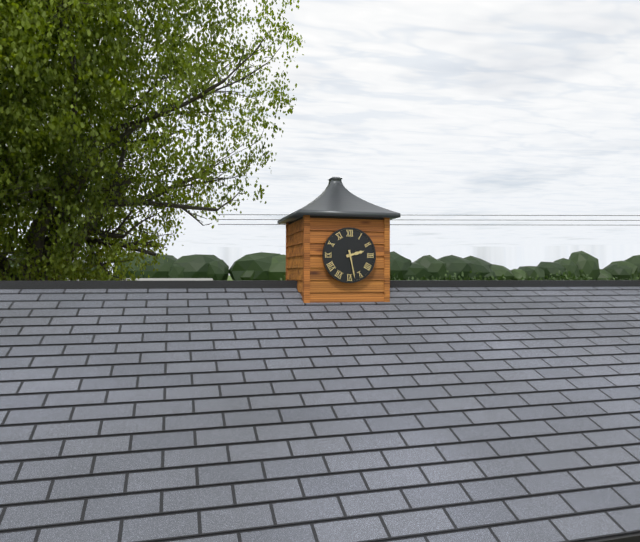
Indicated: 2,28
